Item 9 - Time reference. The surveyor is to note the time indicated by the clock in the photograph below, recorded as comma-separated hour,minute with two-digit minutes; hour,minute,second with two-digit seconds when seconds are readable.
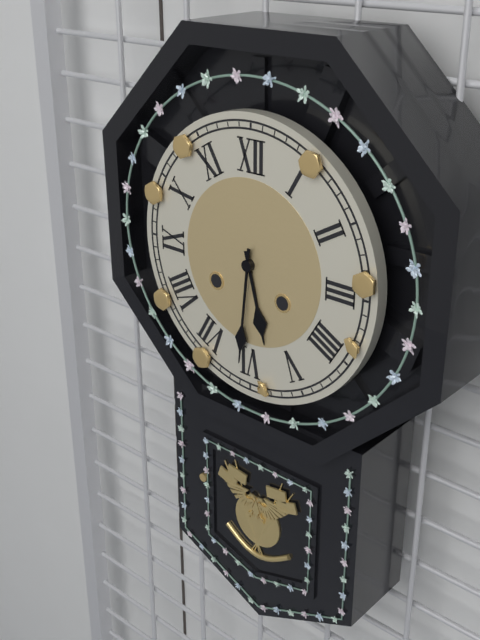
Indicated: 5,31
